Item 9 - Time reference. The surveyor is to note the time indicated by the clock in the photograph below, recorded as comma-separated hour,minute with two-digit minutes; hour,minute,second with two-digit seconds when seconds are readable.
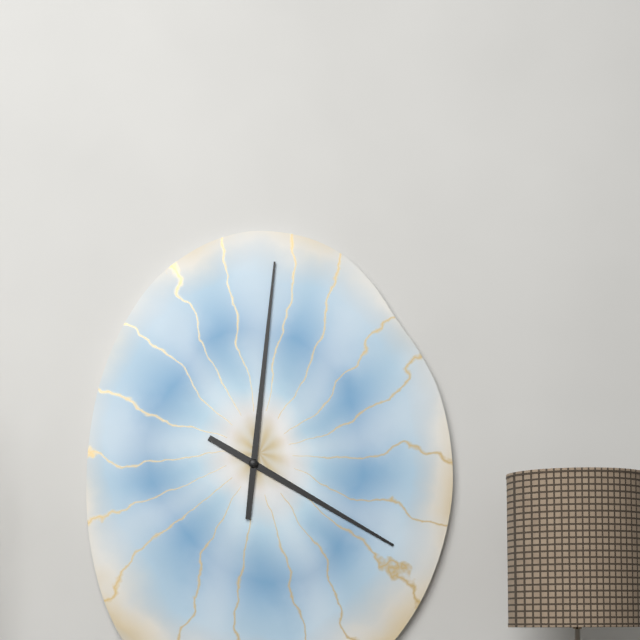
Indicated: 4,01
